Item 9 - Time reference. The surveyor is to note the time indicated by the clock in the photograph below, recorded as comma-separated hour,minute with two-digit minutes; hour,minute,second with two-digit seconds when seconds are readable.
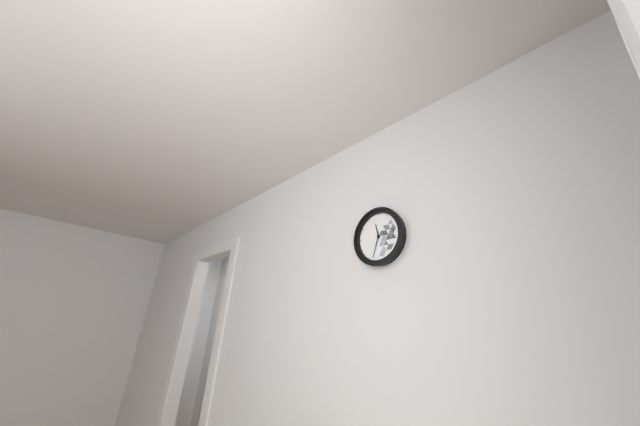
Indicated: 11,33
